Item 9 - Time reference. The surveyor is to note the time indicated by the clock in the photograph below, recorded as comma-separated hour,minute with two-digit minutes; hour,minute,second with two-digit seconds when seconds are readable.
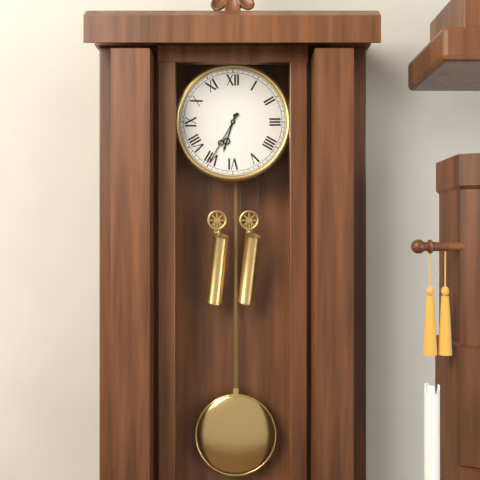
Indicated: 6,35
